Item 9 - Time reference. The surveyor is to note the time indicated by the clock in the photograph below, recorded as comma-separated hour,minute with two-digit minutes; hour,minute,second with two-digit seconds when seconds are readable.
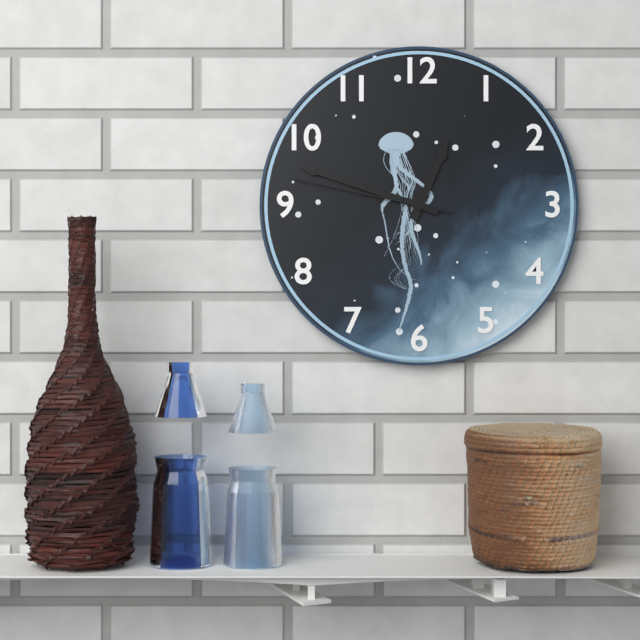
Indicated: 12,48,47
